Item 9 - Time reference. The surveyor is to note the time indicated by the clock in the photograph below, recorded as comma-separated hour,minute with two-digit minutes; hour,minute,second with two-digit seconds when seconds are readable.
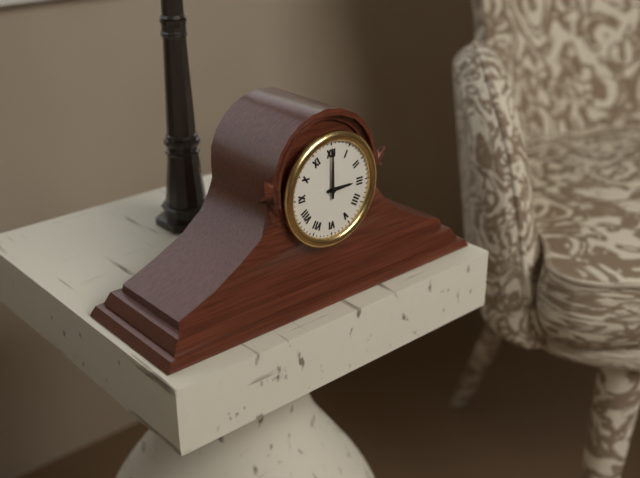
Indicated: 3,00
